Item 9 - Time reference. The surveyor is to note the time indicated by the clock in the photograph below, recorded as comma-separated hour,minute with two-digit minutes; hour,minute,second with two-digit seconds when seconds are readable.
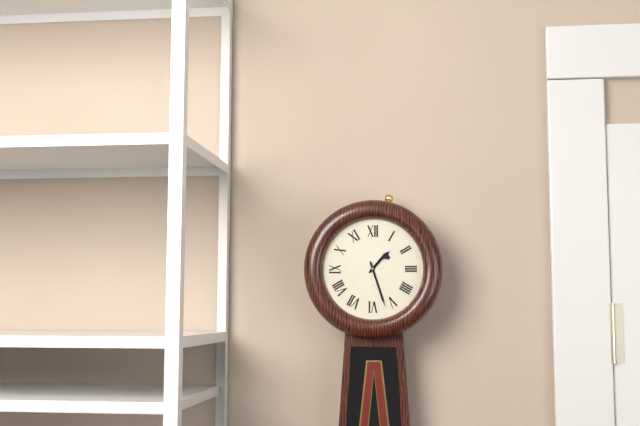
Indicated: 1,27
